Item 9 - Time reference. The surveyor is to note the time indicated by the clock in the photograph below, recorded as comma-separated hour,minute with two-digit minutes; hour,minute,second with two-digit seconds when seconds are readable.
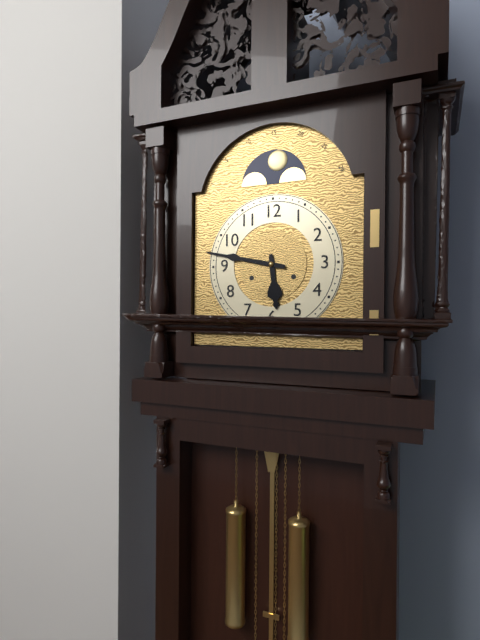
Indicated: 5,47
